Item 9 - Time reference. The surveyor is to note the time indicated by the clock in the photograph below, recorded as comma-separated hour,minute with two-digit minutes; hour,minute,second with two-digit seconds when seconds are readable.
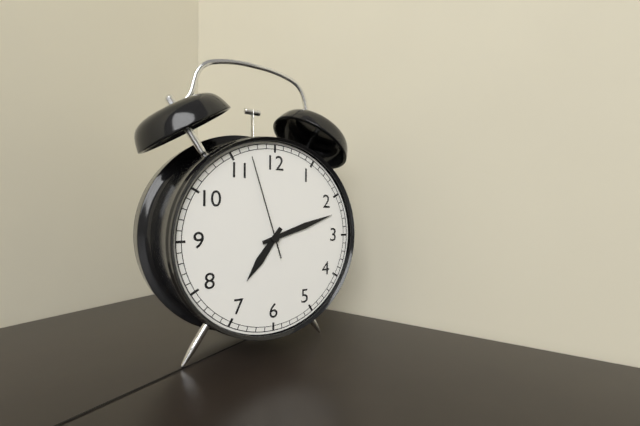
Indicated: 7,12,57
